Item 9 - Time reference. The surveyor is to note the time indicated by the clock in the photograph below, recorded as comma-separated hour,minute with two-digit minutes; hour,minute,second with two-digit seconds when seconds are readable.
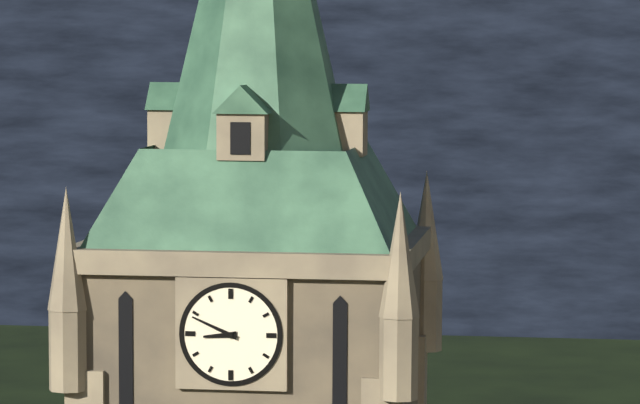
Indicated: 8,49
